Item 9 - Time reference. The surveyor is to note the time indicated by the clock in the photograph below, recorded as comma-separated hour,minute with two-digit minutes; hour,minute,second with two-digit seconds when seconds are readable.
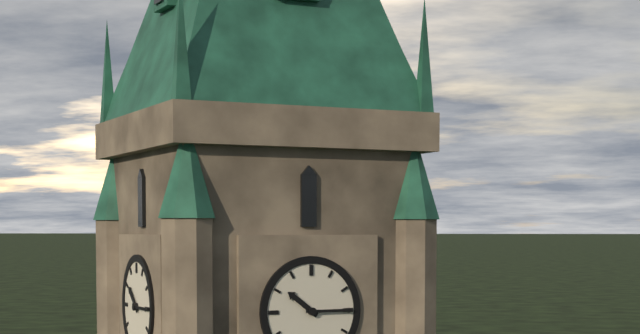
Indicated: 10,15
